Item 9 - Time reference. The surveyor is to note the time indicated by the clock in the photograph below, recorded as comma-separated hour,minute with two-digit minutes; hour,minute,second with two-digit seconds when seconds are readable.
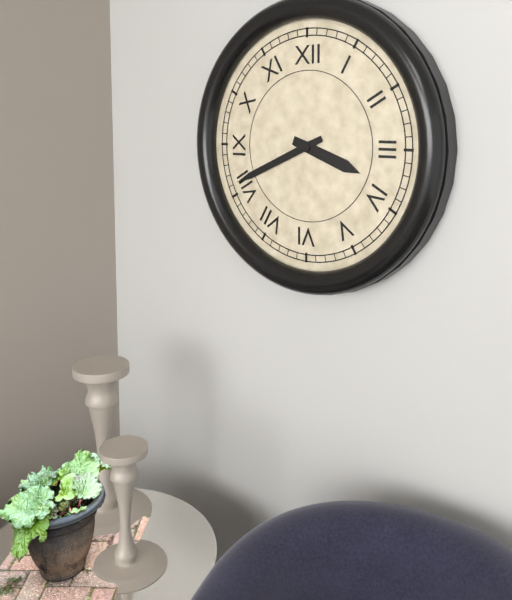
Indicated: 3,41
